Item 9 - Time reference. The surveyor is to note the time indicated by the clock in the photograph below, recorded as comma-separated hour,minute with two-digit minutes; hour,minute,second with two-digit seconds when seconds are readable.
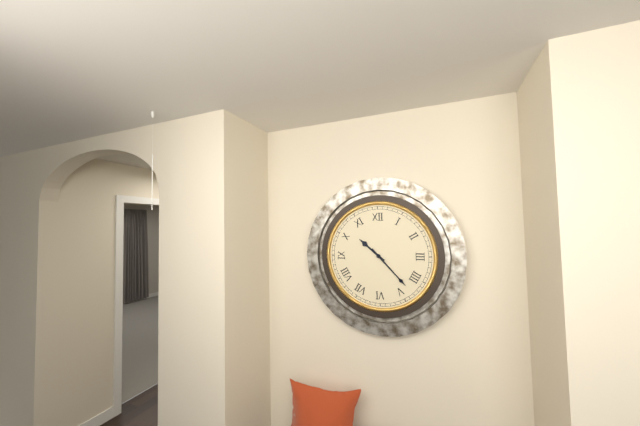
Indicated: 10,23
